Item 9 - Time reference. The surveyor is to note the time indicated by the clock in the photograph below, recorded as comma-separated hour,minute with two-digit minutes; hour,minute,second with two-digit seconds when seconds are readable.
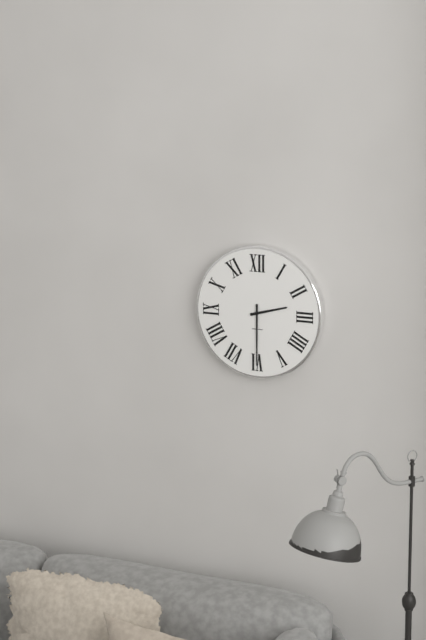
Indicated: 2,30
